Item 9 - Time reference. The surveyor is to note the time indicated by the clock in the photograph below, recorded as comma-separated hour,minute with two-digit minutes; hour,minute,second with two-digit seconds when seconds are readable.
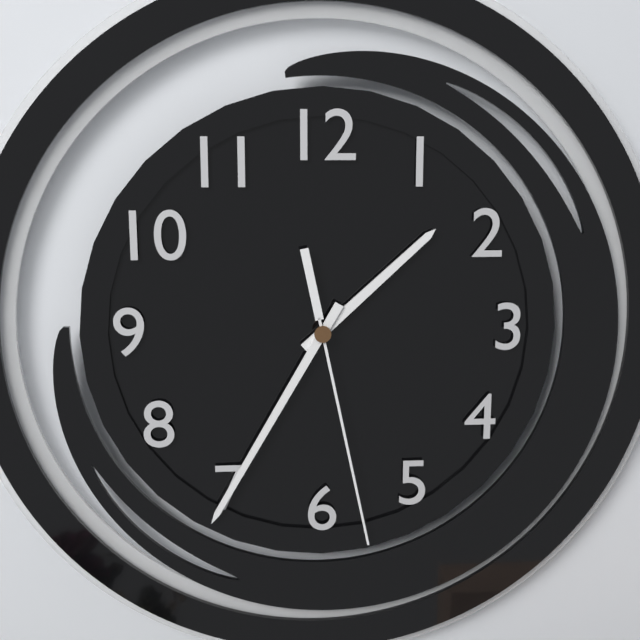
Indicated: 1,35,28
